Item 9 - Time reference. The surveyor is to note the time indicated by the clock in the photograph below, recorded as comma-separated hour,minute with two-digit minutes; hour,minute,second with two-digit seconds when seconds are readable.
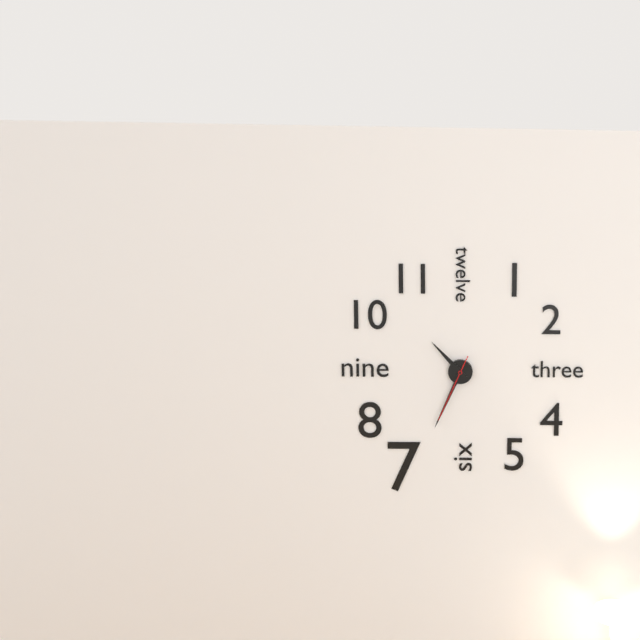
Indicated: 10,34,34
